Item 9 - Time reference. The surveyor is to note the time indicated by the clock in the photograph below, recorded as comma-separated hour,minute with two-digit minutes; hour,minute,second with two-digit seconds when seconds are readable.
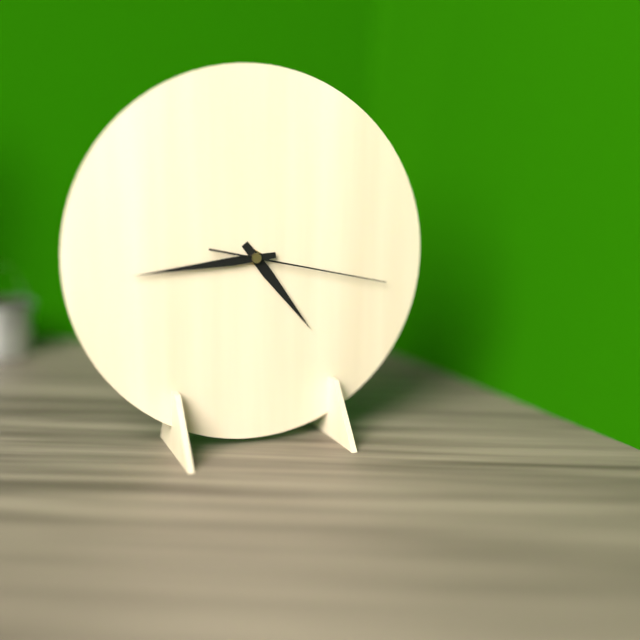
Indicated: 4,44,17
